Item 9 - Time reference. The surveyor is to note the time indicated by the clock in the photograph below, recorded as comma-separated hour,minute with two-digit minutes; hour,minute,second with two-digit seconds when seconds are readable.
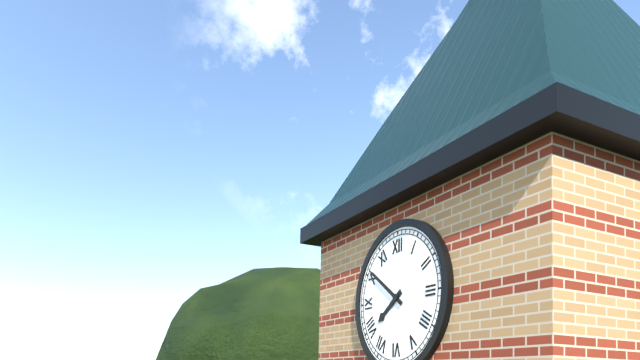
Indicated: 7,51
